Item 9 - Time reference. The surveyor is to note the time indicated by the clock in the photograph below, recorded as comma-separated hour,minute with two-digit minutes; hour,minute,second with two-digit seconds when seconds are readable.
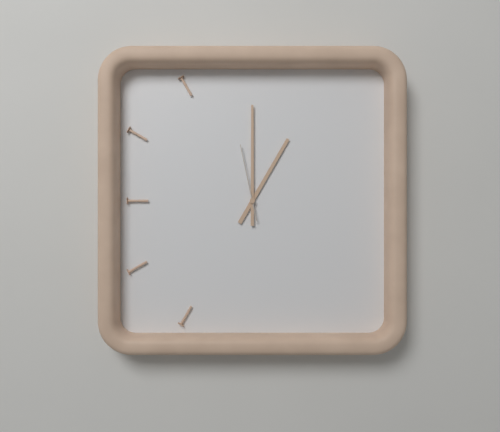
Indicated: 1,00,58
